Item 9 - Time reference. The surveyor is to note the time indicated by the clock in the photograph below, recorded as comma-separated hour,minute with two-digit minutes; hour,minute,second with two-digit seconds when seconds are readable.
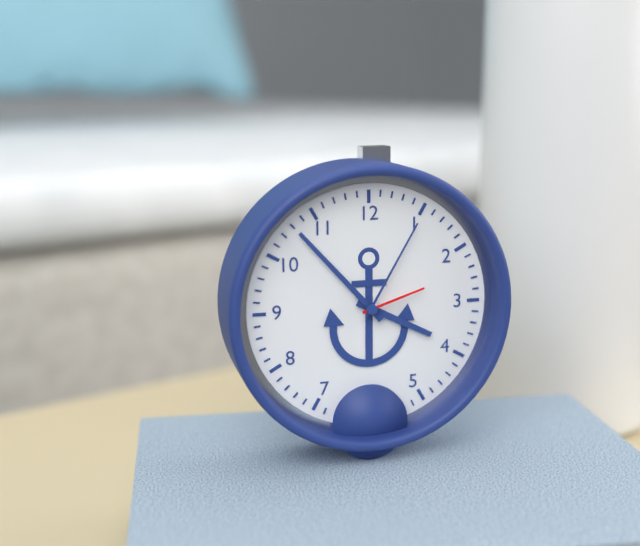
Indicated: 3,53,12
